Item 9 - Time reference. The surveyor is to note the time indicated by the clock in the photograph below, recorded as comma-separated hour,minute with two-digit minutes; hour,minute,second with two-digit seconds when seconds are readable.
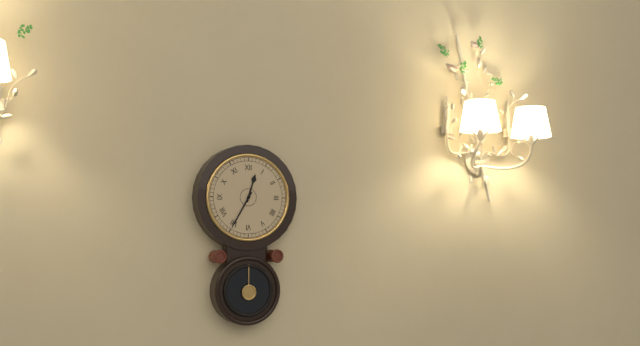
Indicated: 12,35
